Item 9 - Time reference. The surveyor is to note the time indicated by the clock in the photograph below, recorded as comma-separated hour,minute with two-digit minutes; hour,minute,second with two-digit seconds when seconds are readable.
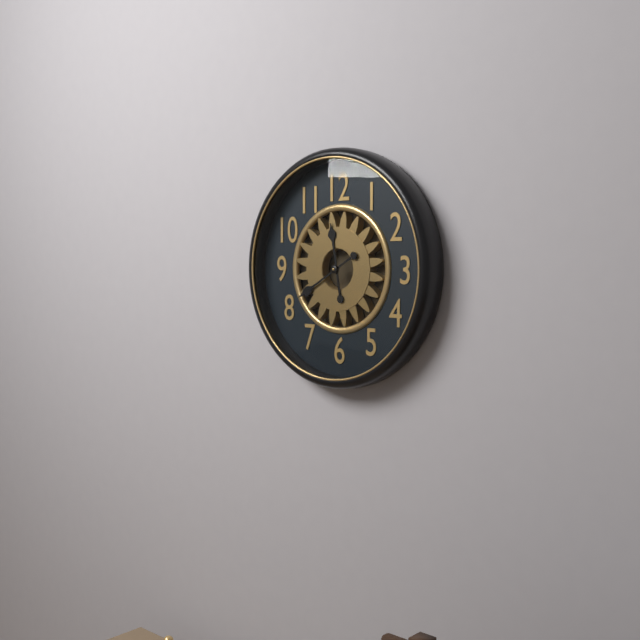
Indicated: 11,40
